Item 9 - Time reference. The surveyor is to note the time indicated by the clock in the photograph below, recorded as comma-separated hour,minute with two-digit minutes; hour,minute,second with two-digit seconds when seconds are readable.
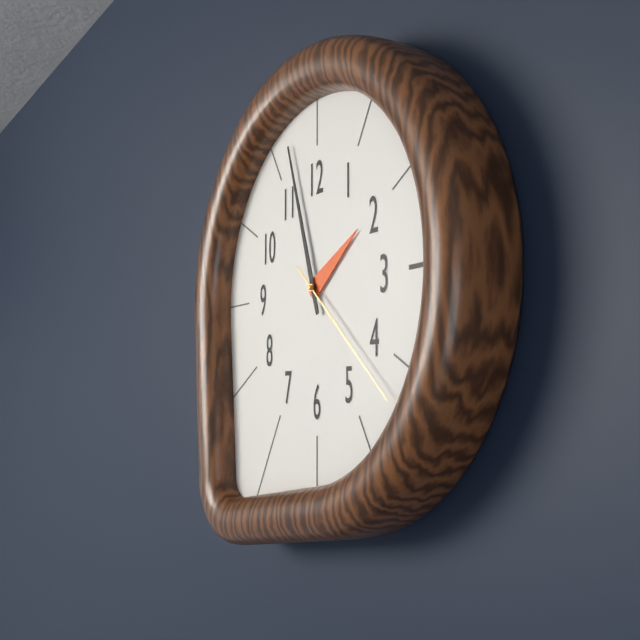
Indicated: 1,57,22
